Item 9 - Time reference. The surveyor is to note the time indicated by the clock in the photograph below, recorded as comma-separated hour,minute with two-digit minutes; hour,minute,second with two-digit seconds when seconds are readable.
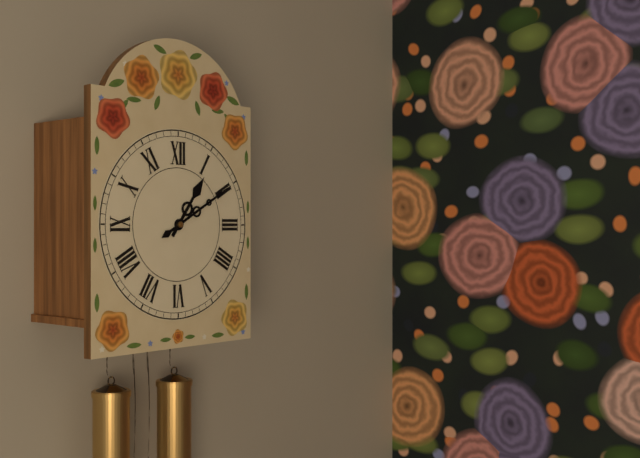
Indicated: 1,10
